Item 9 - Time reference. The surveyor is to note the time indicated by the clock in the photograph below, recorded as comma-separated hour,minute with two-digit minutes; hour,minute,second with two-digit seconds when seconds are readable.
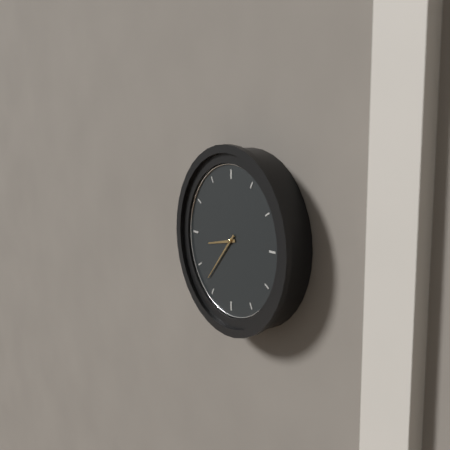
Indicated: 8,37
